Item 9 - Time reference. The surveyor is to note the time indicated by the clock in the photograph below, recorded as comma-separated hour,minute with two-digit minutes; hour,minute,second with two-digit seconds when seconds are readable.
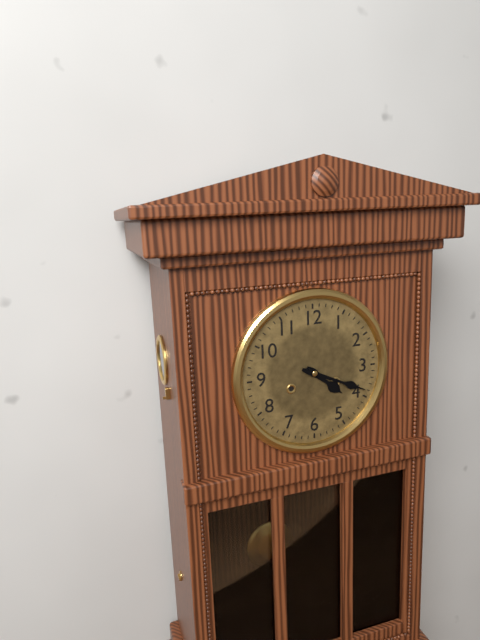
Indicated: 4,19
